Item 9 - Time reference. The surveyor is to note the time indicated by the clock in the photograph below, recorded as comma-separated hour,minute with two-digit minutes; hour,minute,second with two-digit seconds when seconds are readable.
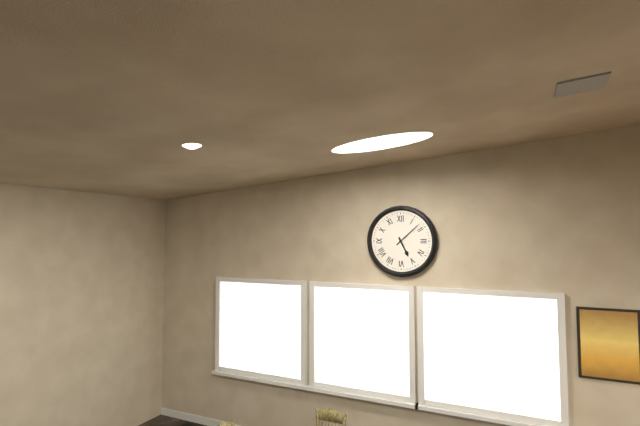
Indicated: 5,08
